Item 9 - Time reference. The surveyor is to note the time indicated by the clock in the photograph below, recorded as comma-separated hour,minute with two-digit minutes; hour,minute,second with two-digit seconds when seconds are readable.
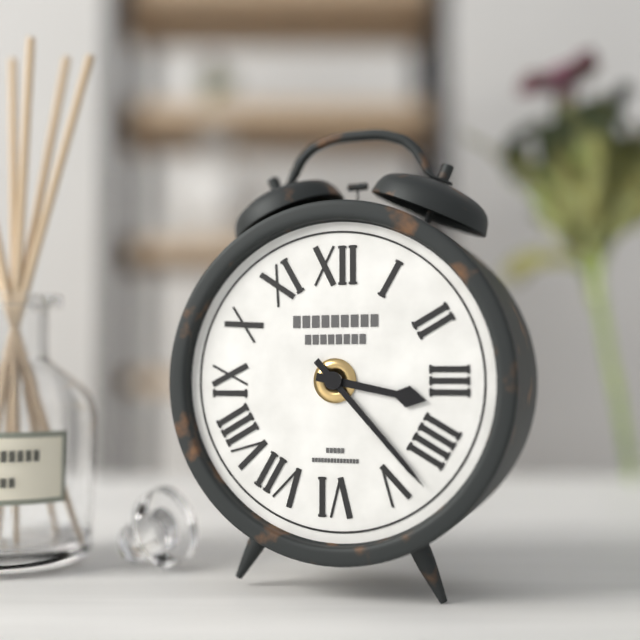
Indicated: 3,23
